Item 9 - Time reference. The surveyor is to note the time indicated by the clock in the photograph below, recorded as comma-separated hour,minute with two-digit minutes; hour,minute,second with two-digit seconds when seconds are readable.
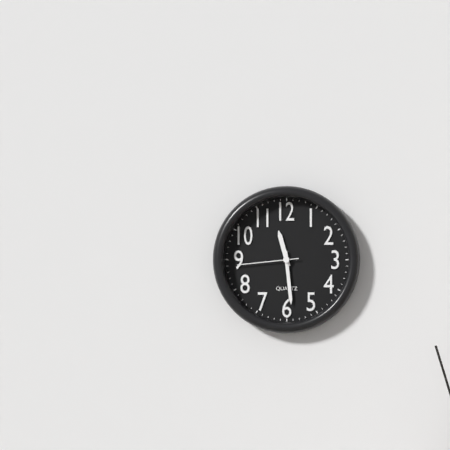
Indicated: 11,29,44
